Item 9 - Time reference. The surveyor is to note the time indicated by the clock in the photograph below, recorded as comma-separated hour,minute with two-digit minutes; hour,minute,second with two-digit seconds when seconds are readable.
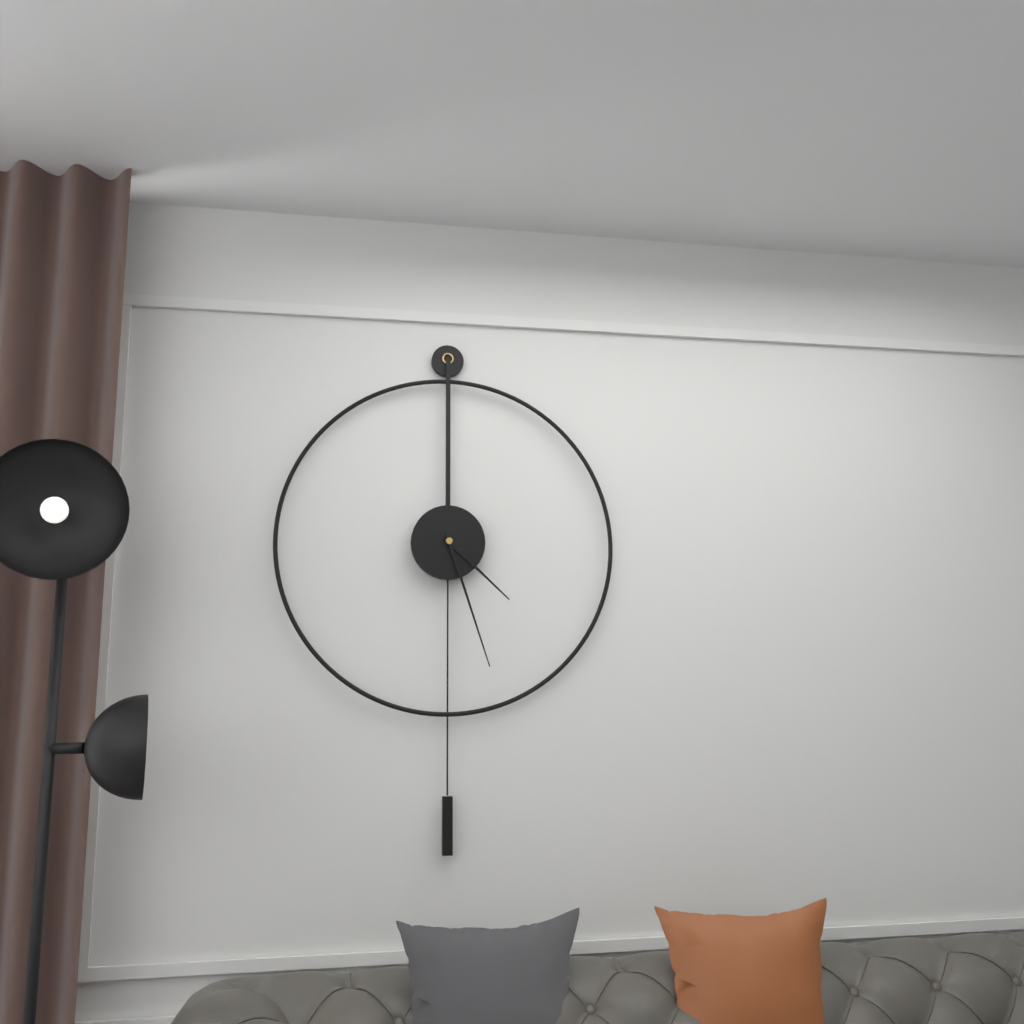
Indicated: 4,27
